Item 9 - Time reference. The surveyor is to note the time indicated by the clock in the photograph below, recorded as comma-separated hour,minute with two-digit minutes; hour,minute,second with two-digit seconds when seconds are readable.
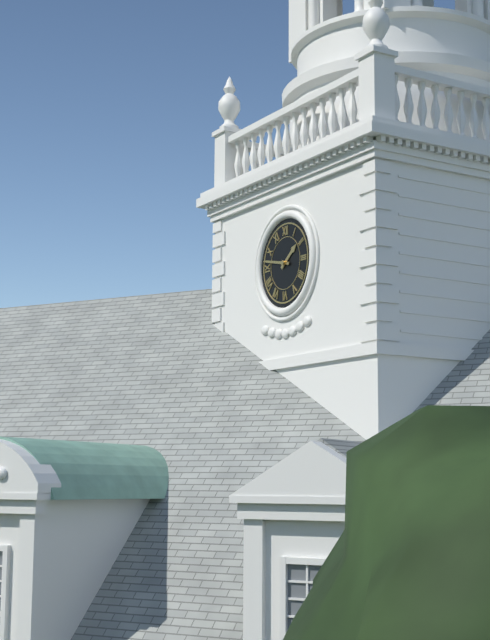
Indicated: 1,47
